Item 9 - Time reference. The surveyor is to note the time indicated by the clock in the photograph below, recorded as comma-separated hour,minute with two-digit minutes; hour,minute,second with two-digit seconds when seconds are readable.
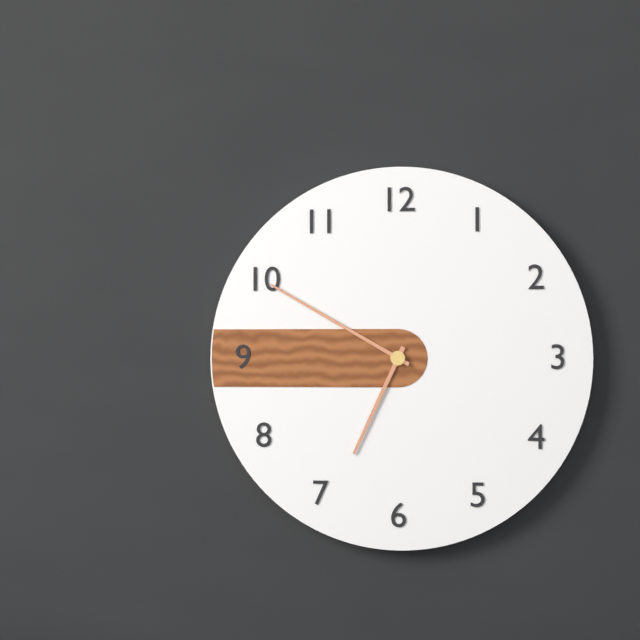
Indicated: 6,50
